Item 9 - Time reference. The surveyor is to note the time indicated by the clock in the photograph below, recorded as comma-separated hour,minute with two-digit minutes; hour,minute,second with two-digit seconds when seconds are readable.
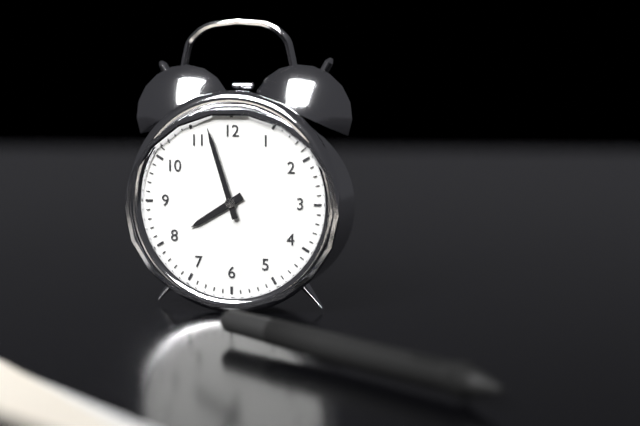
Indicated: 7,57
